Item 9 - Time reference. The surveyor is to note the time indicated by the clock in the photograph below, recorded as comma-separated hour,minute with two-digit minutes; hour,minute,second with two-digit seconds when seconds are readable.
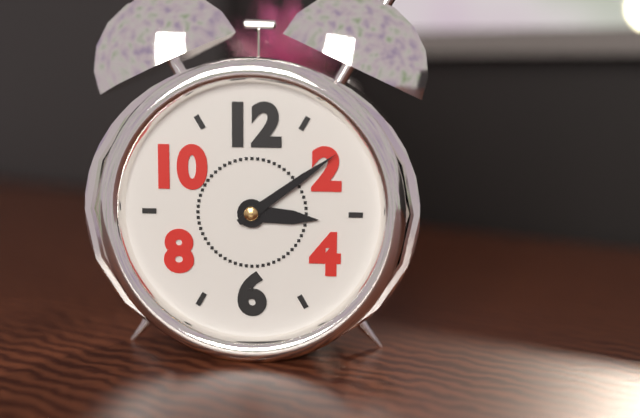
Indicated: 3,09
